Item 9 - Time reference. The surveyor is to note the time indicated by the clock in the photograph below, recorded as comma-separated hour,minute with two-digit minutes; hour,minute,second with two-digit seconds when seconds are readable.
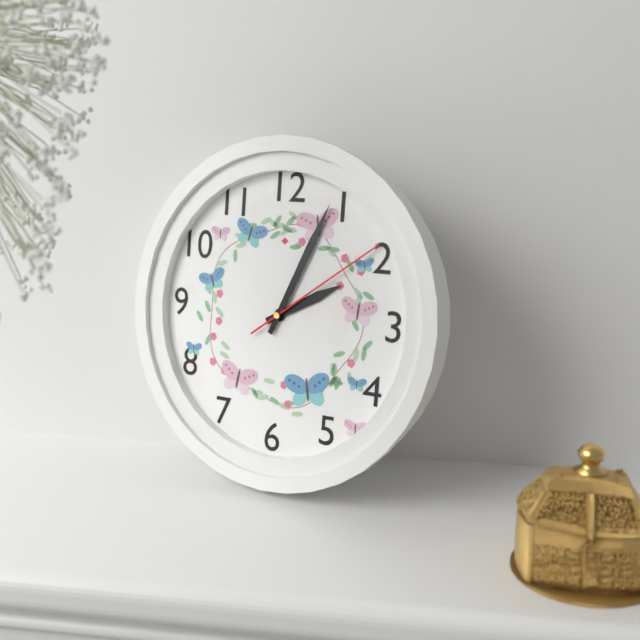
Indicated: 2,04,09
